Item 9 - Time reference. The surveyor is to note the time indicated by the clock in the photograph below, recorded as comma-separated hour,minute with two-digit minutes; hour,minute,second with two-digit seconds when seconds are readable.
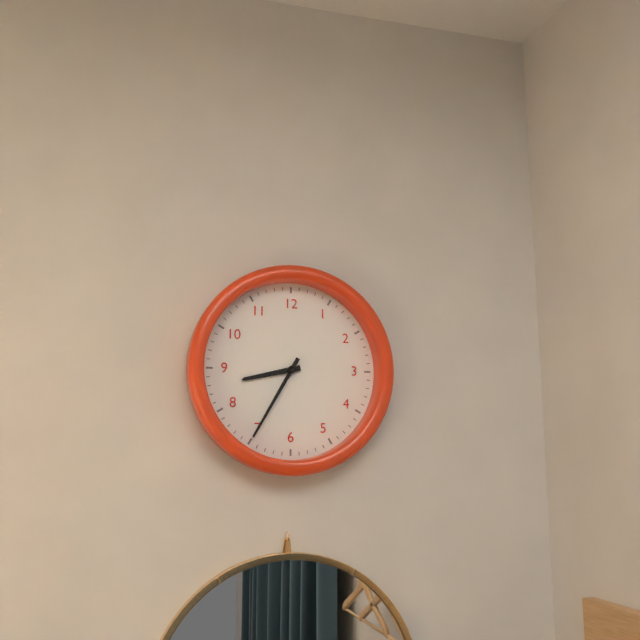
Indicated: 8,35
